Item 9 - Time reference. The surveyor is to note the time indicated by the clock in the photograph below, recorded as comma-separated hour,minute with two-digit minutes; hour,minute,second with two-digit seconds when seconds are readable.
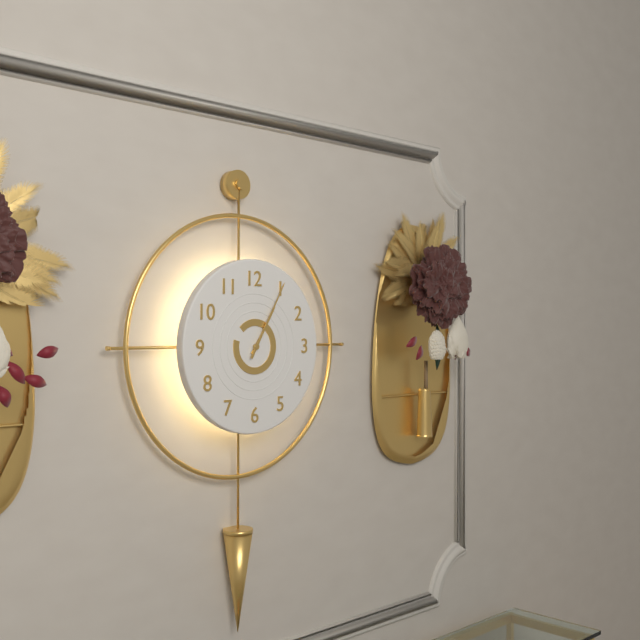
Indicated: 1,05
